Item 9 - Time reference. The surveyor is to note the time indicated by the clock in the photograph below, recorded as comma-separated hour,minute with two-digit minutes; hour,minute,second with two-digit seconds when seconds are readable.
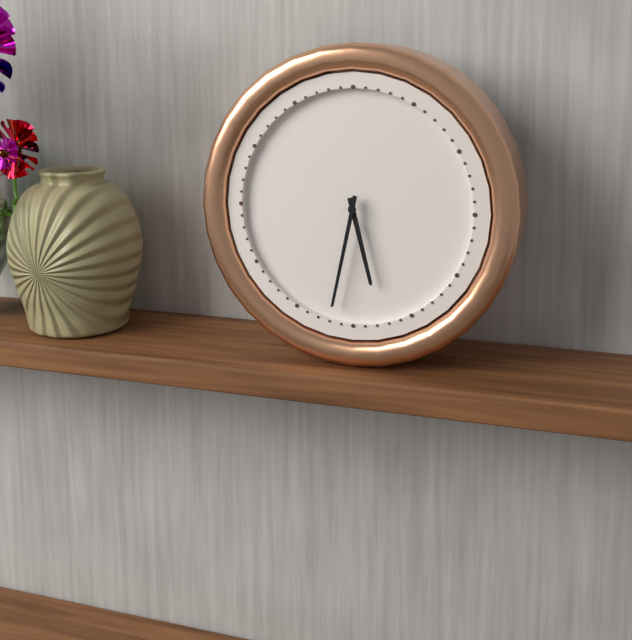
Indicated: 5,32
